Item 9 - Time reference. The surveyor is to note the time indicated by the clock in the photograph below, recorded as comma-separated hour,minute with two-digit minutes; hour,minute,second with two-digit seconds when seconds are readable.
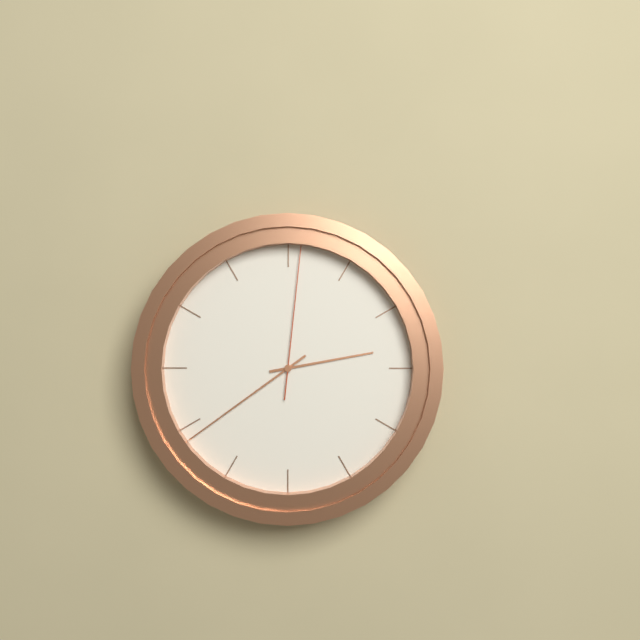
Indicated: 2,39,01
